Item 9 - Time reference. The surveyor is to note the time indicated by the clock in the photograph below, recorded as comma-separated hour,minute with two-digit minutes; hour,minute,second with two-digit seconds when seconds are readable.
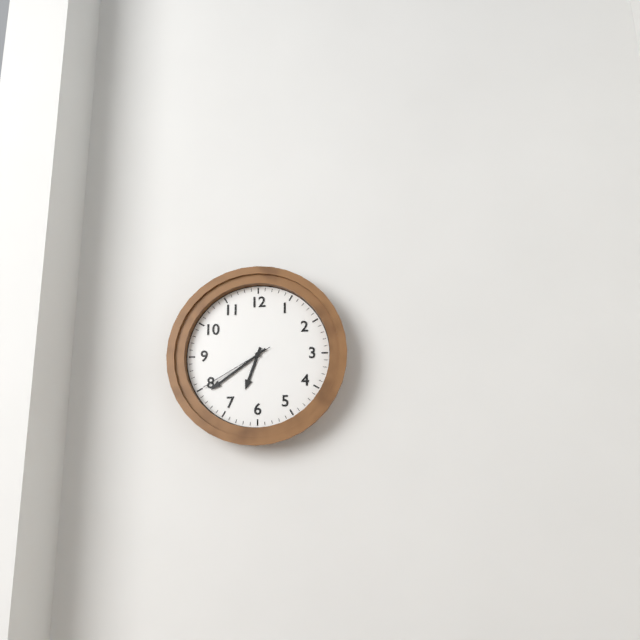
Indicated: 6,39,40
